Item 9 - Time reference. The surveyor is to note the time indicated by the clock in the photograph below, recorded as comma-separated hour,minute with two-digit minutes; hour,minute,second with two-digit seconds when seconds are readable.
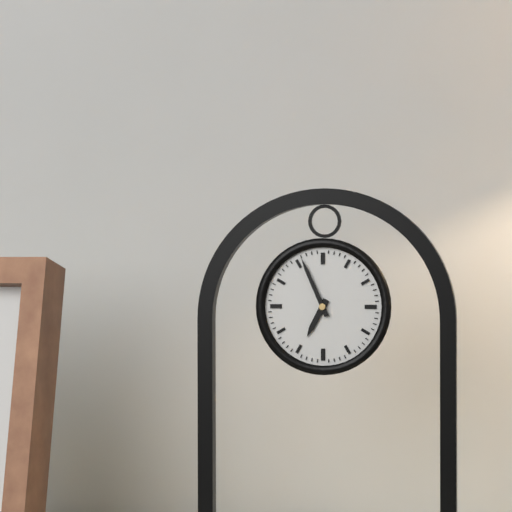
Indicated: 6,56
